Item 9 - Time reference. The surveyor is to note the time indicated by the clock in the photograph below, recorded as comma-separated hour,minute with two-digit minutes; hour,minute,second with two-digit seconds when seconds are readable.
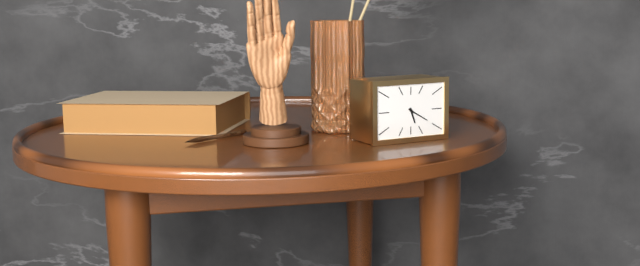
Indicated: 5,20
